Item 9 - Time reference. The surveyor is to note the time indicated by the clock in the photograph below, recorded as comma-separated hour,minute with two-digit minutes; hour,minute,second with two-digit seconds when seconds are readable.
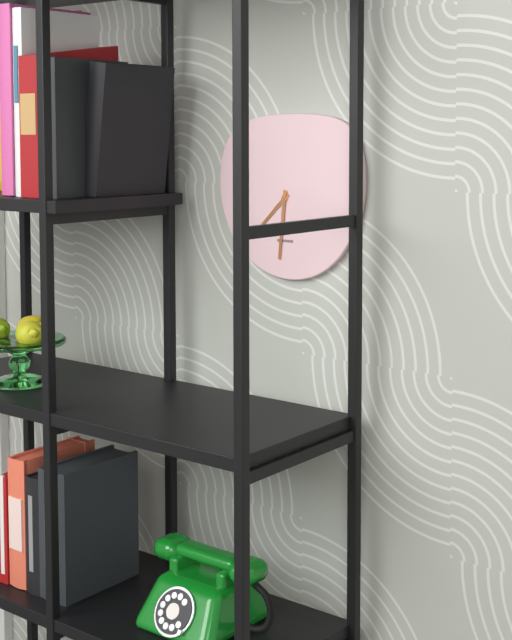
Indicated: 7,31
